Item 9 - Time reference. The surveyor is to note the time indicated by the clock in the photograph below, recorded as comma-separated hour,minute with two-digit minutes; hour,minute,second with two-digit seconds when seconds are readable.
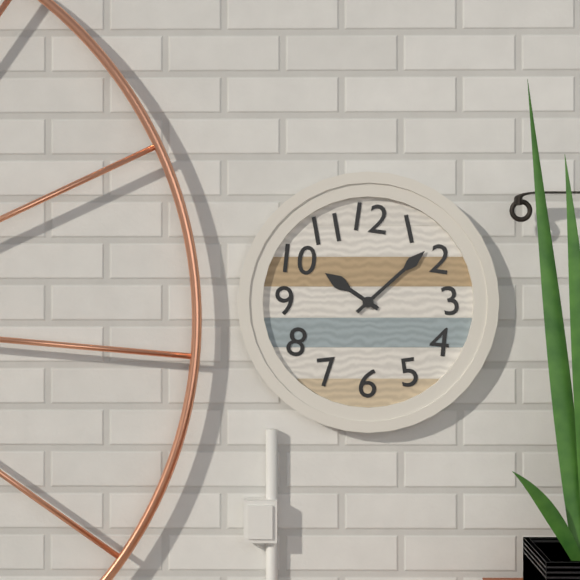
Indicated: 10,08
